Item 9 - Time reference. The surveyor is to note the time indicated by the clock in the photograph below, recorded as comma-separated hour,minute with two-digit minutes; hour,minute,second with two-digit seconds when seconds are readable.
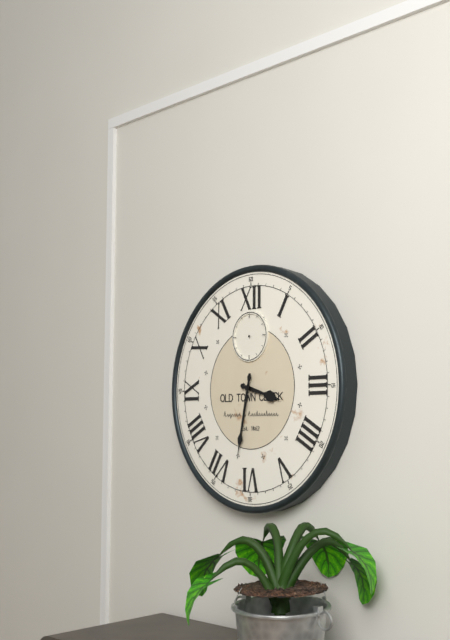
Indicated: 3,32
